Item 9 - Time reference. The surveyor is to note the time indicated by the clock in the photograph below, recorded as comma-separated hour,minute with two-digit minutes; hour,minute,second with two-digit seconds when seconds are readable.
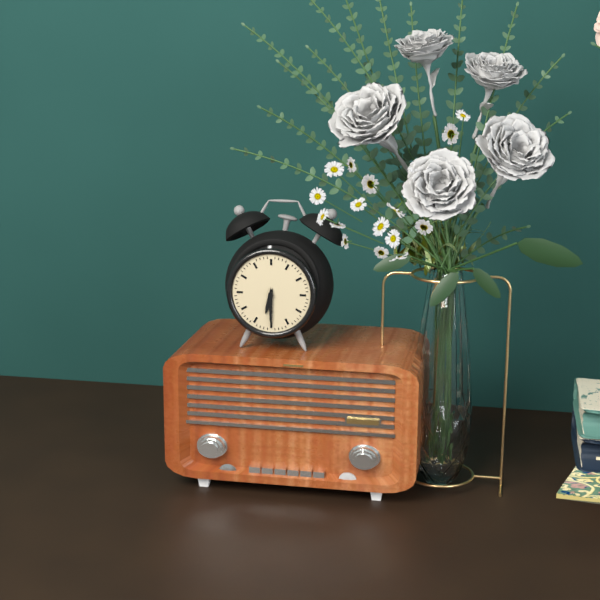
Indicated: 6,30
